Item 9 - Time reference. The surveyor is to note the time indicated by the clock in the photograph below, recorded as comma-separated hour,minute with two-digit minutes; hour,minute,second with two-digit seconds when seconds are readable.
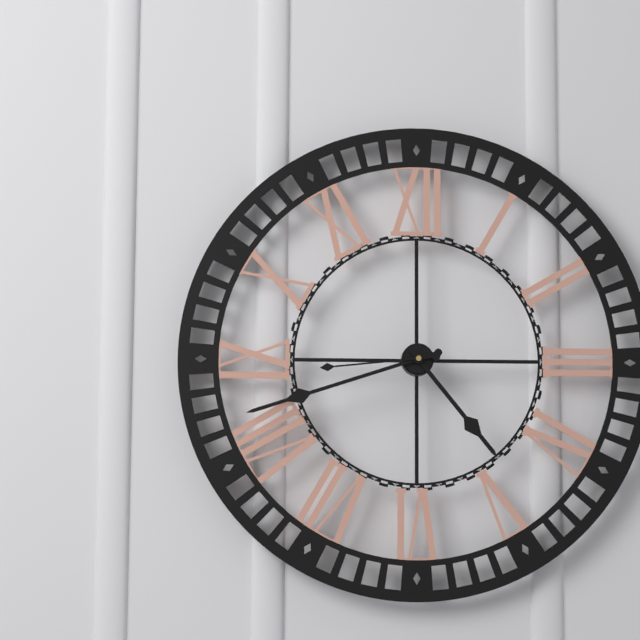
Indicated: 4,42,44
